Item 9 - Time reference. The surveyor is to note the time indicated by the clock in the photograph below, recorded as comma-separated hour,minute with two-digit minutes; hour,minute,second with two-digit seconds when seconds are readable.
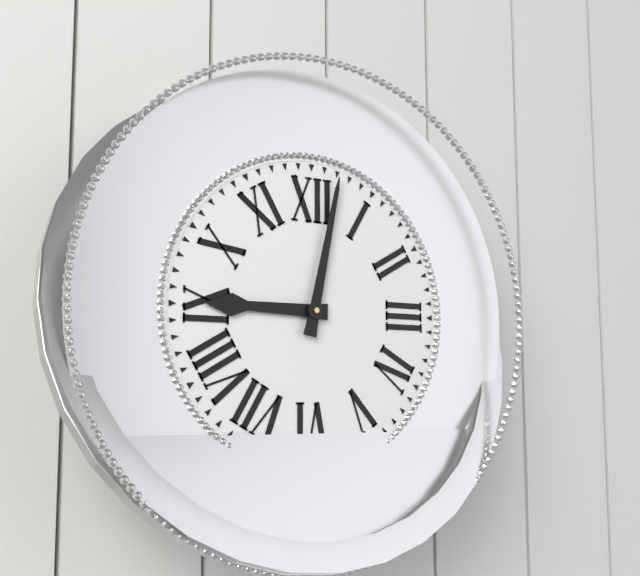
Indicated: 9,02
